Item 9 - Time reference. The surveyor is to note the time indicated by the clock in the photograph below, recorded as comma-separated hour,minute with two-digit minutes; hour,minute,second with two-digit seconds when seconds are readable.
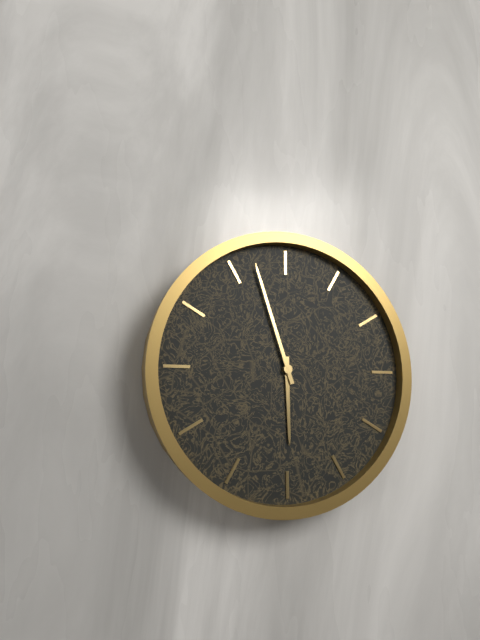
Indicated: 5,57
